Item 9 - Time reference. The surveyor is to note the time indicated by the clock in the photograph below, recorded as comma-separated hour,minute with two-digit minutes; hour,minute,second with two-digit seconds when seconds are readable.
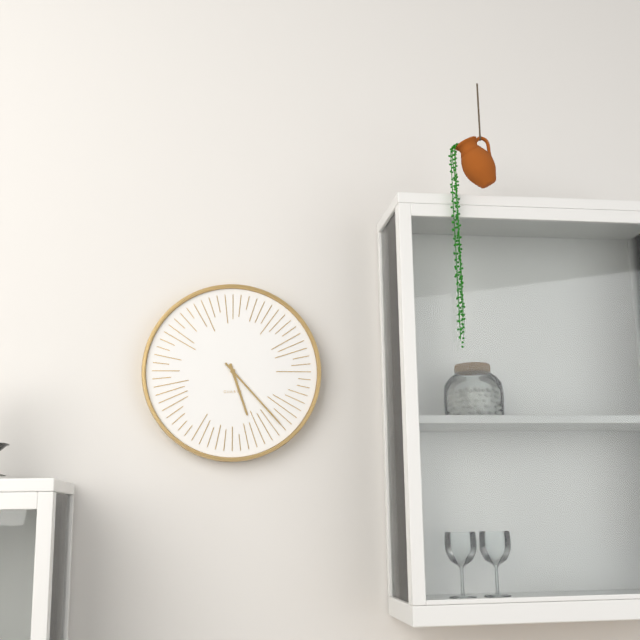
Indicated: 5,23
